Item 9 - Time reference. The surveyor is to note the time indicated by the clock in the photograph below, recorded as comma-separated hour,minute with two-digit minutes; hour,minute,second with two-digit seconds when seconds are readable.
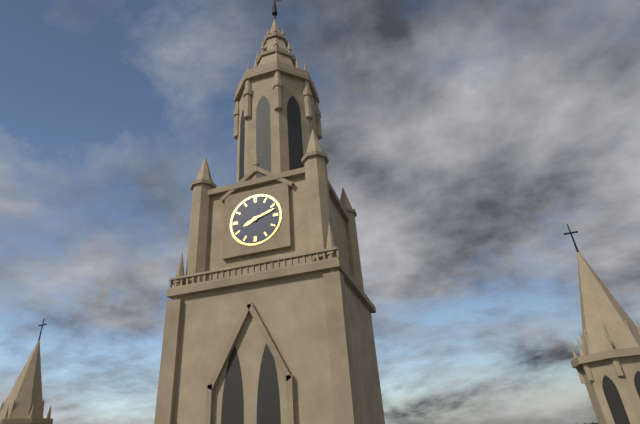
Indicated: 8,12
